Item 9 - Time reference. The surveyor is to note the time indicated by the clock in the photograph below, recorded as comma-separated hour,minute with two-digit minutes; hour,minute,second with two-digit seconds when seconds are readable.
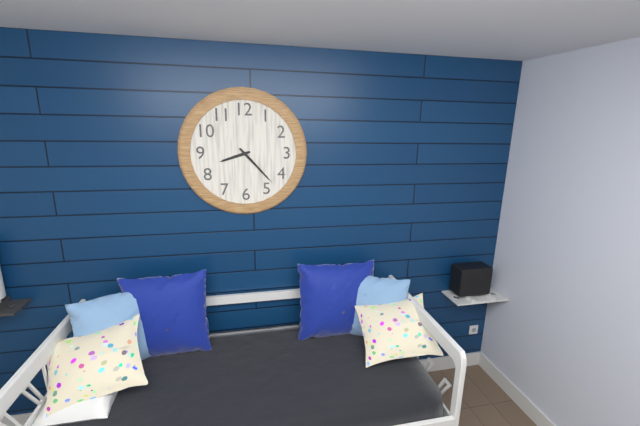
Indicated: 8,23
